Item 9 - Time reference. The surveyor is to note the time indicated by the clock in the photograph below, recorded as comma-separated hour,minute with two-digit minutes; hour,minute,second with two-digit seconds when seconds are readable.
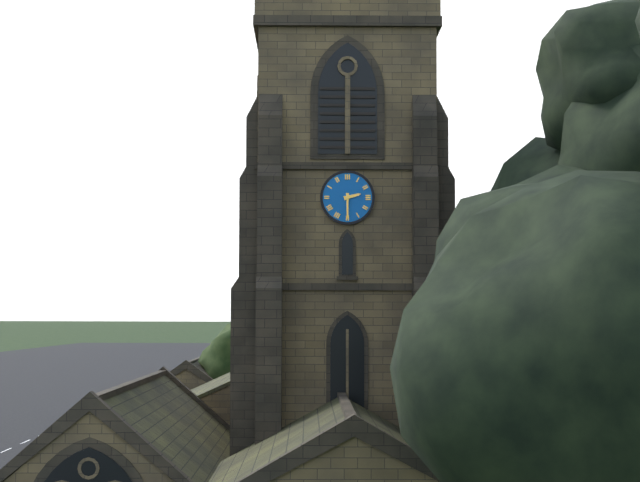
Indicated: 2,30
